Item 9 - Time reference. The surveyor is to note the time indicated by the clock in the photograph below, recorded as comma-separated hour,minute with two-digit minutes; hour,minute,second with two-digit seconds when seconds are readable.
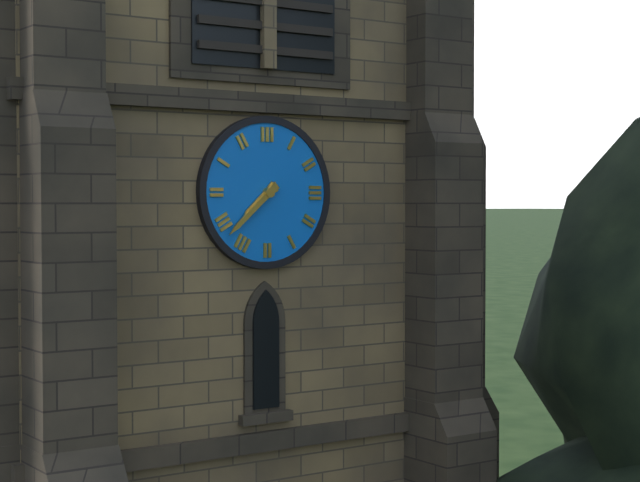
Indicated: 7,38
